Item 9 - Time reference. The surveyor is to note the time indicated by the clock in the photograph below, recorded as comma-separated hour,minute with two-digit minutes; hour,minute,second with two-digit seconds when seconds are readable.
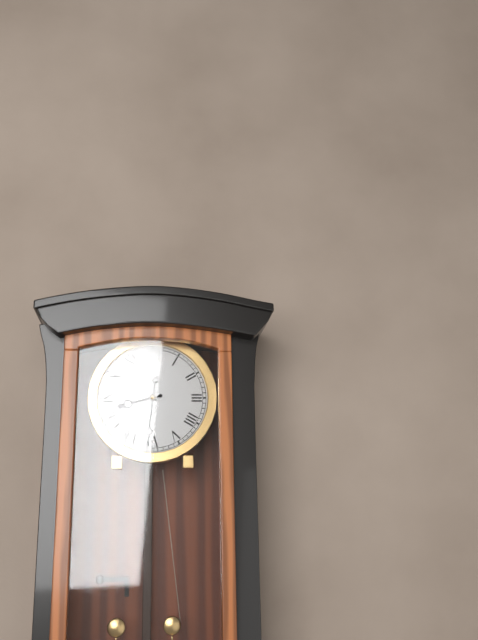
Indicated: 8,31
